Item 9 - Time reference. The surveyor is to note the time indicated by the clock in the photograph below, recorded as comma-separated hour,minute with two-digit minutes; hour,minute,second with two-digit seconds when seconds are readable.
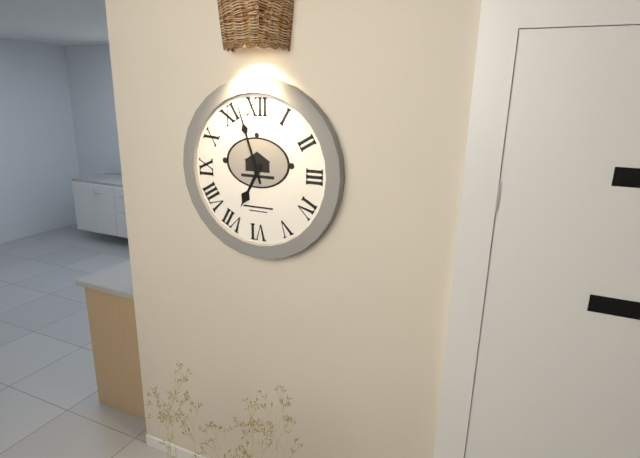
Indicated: 6,57
